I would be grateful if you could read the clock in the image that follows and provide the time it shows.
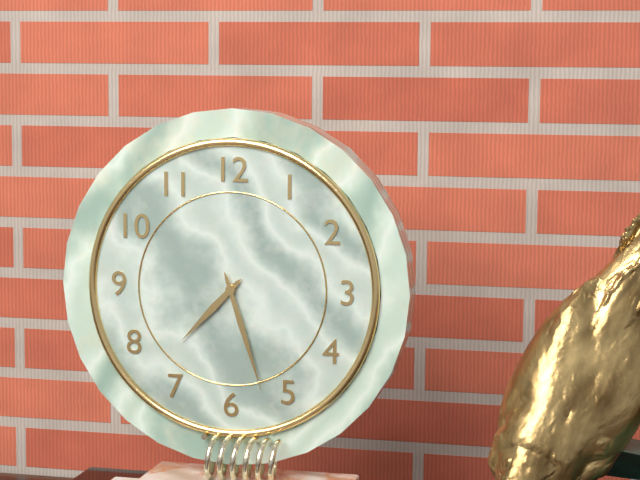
7:27
